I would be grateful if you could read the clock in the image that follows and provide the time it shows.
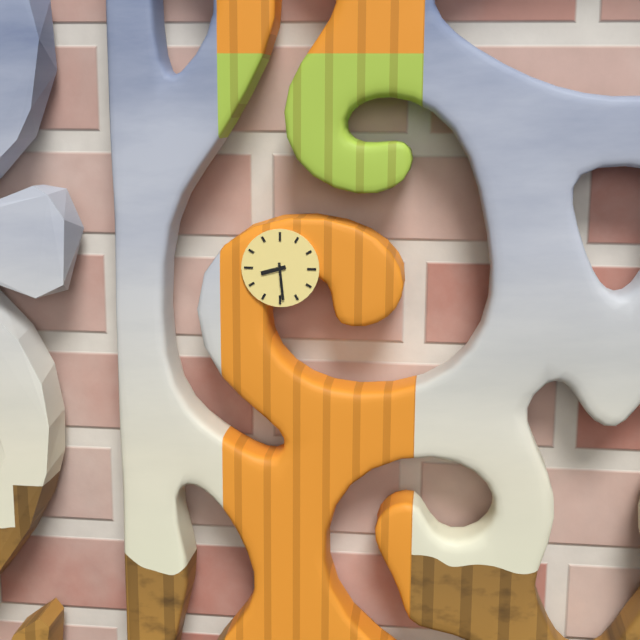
8:29
